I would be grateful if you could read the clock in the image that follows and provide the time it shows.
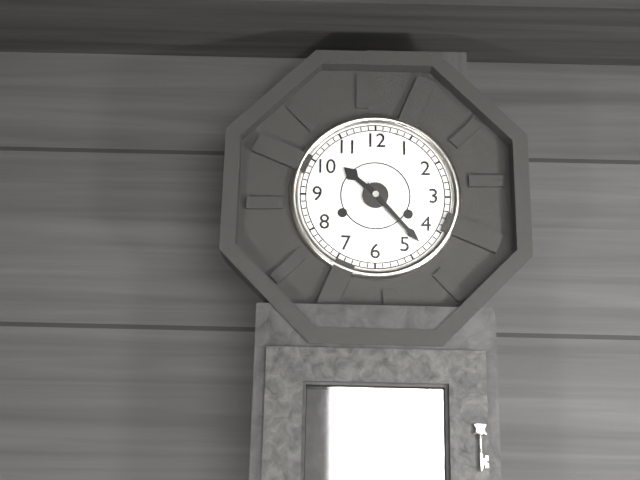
10:23
